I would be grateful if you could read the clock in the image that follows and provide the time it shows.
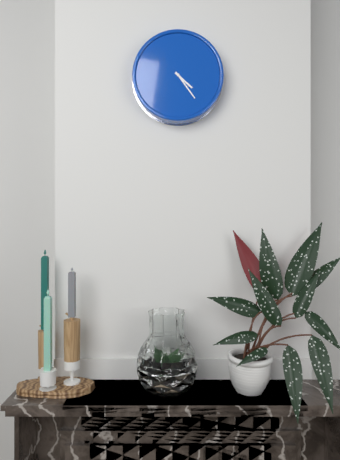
4:24
